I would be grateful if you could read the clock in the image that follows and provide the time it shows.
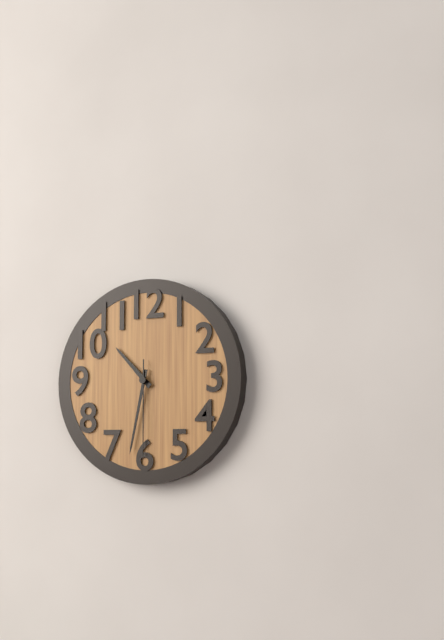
10:32:30
